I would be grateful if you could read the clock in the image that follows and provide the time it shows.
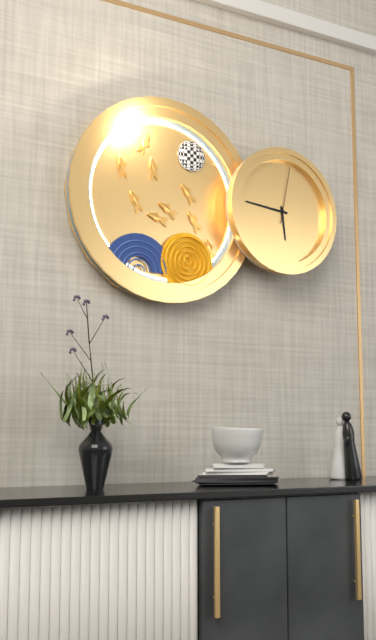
5:46:02
